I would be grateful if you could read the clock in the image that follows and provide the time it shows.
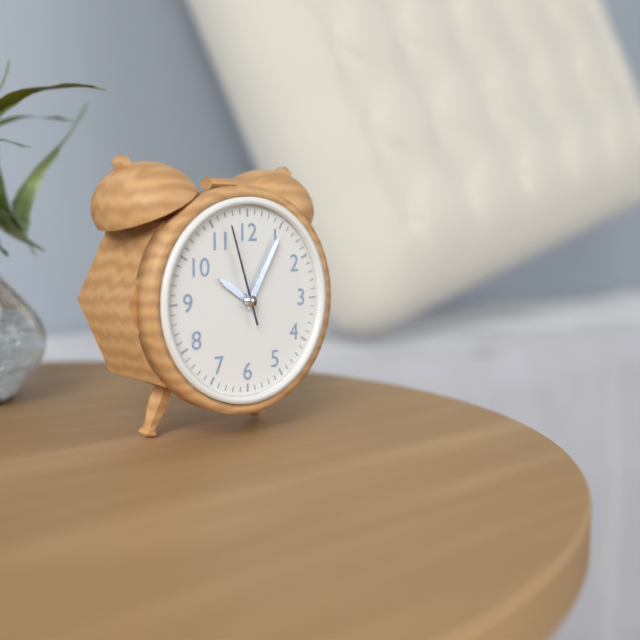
10:05:57
